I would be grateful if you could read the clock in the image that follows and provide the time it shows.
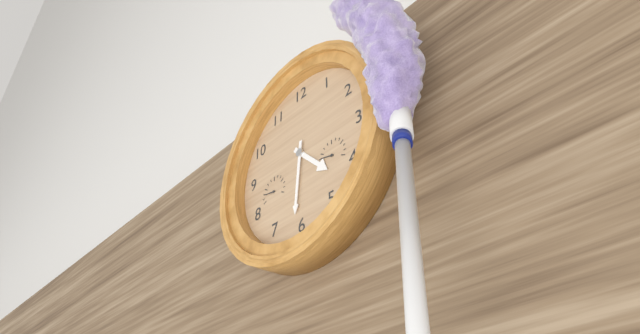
4:31
